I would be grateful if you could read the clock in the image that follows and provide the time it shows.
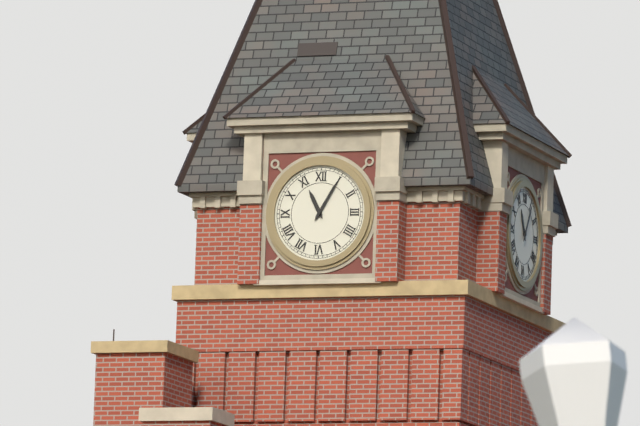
11:05
